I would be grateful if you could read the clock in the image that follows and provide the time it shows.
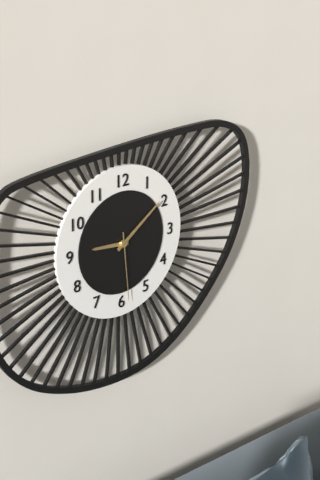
9:09:29
